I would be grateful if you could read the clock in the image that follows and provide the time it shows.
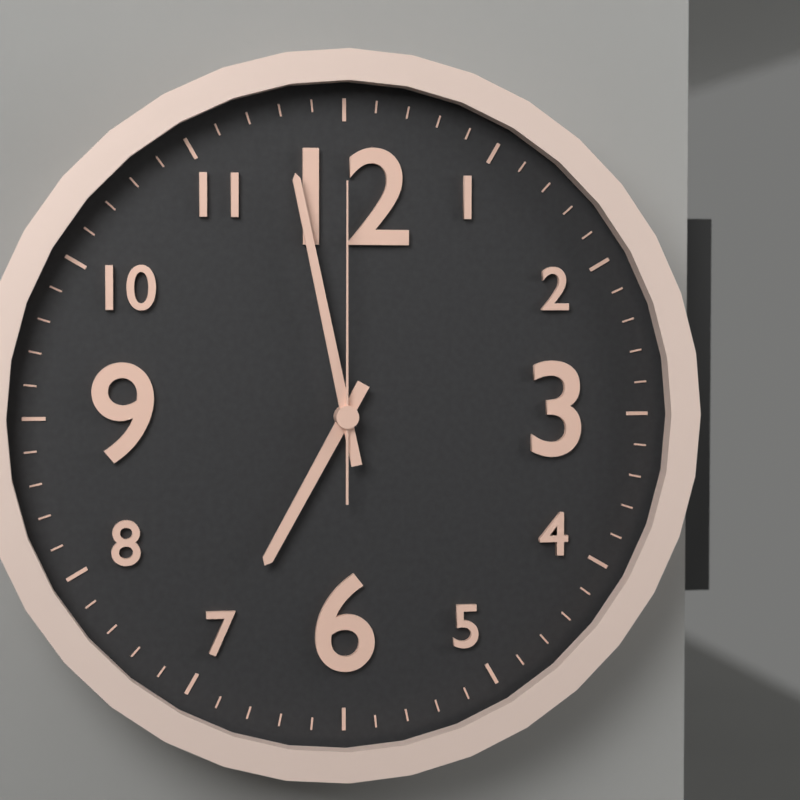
6:58:00
